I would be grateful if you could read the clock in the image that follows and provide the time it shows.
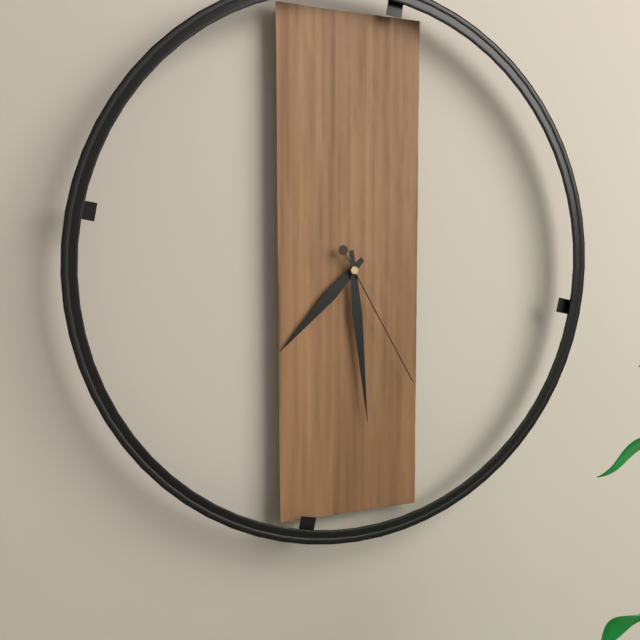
7:29:25
